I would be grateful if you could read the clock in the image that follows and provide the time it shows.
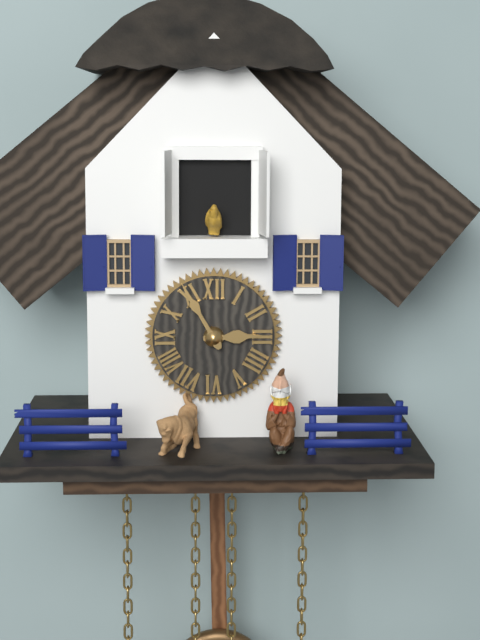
2:55
